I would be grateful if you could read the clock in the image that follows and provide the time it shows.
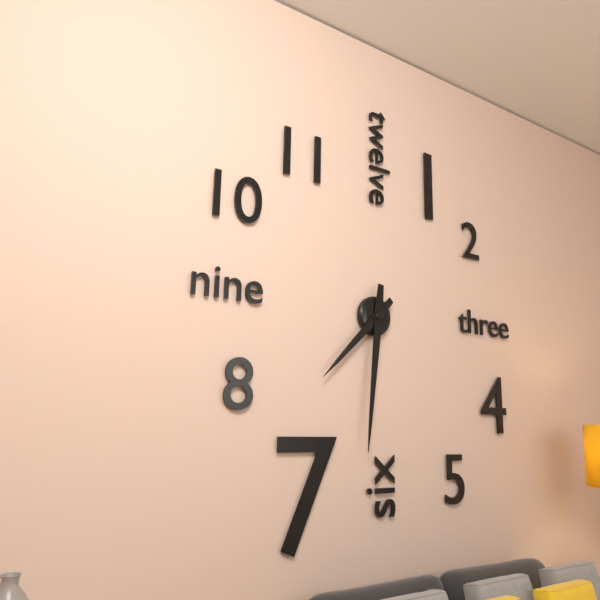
7:31
